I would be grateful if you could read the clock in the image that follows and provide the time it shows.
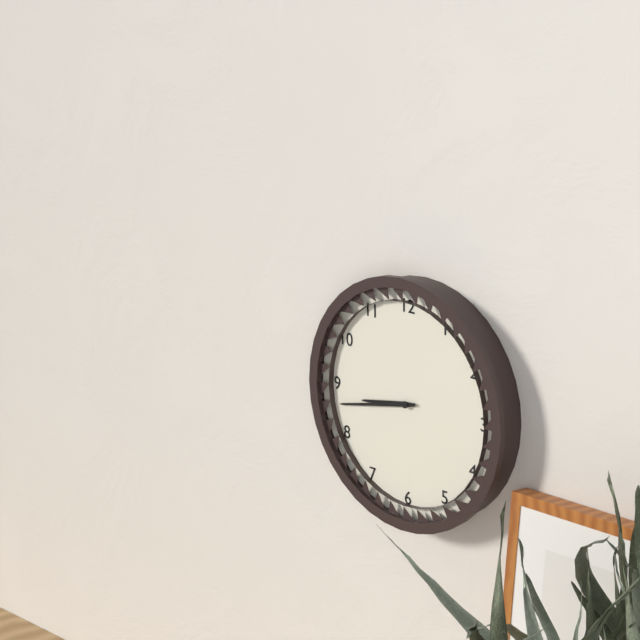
8:43
